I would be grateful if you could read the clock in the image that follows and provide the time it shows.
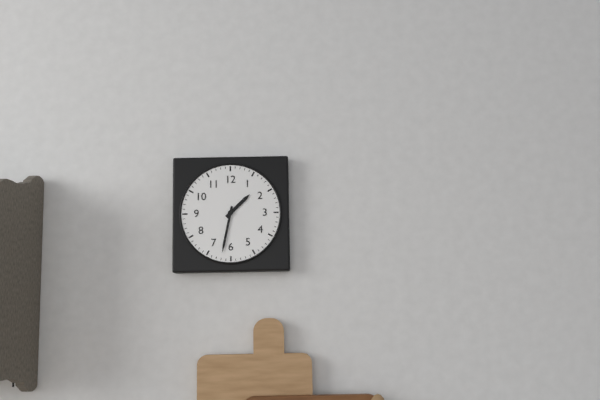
1:32
